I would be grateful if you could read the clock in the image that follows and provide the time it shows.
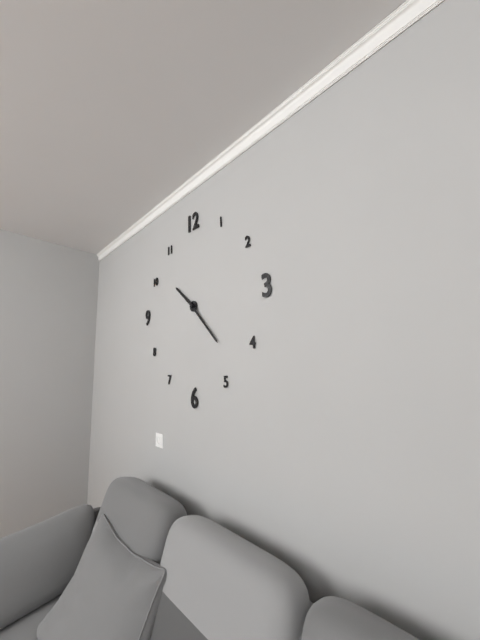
10:23
